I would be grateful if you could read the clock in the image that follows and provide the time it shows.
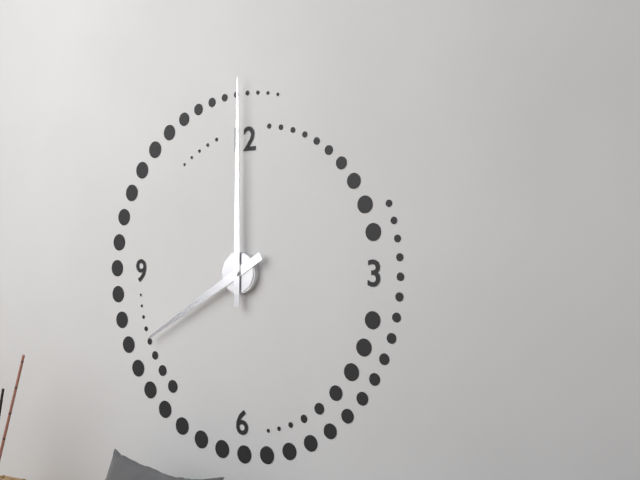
8:00
